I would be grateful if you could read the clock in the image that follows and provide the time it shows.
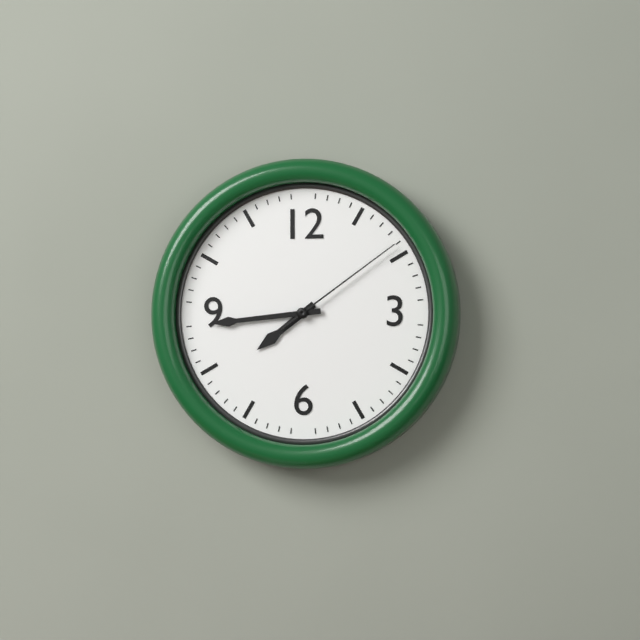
7:44:09
